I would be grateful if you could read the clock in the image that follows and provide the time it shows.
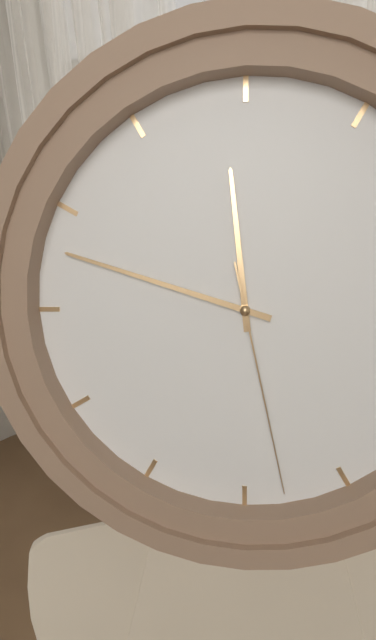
11:48:28
